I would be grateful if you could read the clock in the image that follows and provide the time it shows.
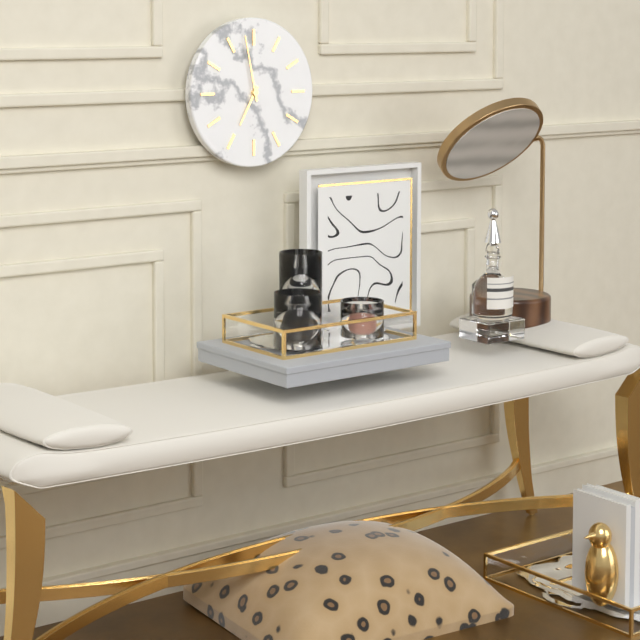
6:58
